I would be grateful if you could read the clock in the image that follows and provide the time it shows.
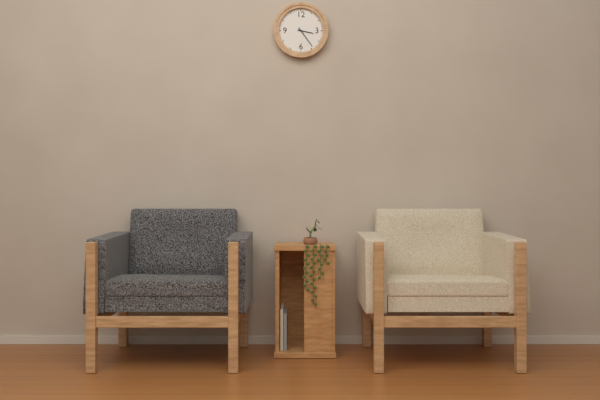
3:24
